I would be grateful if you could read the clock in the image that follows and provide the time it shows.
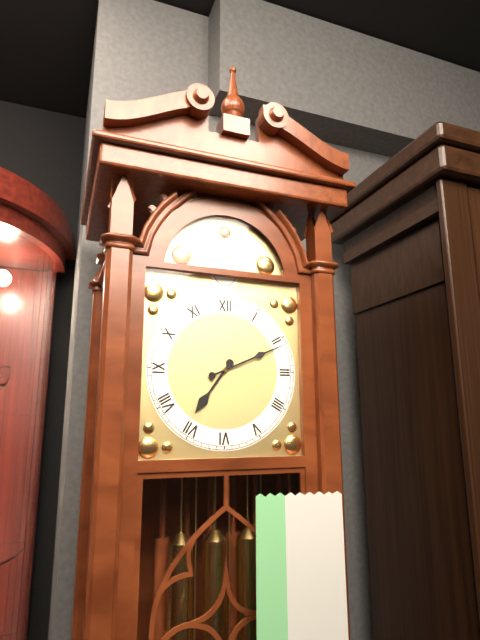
7:11
